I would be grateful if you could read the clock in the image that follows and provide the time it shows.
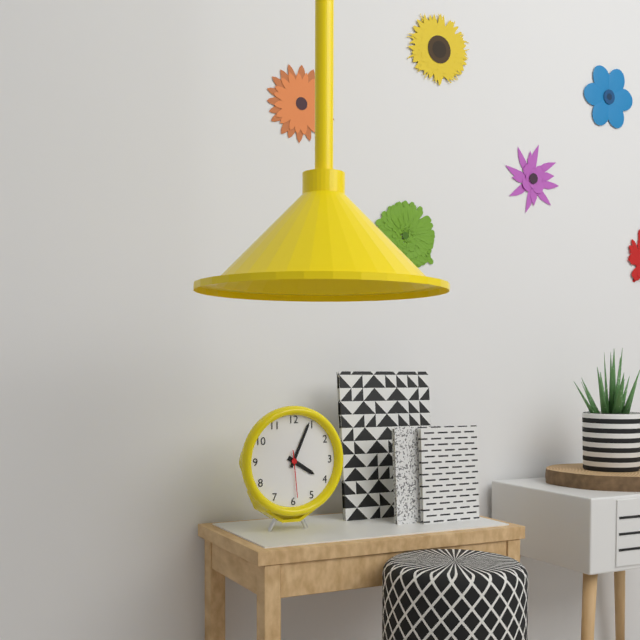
4:04
